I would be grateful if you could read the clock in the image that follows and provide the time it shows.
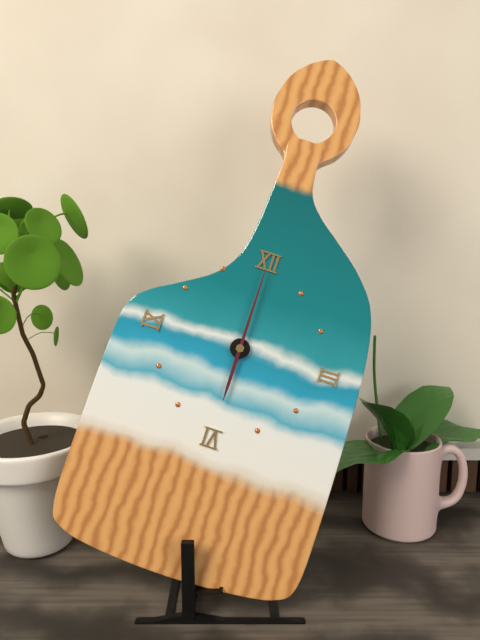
6:00
